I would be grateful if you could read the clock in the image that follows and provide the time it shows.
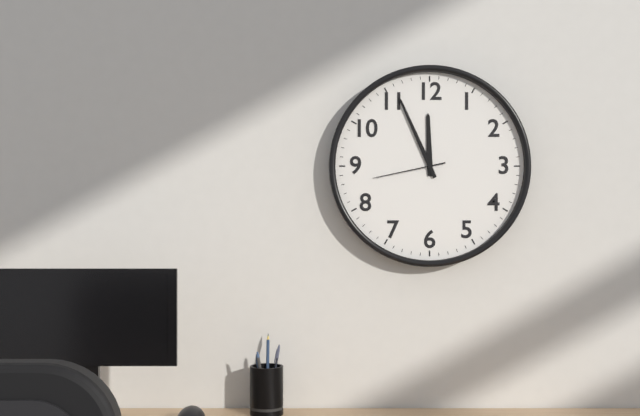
11:56:43
